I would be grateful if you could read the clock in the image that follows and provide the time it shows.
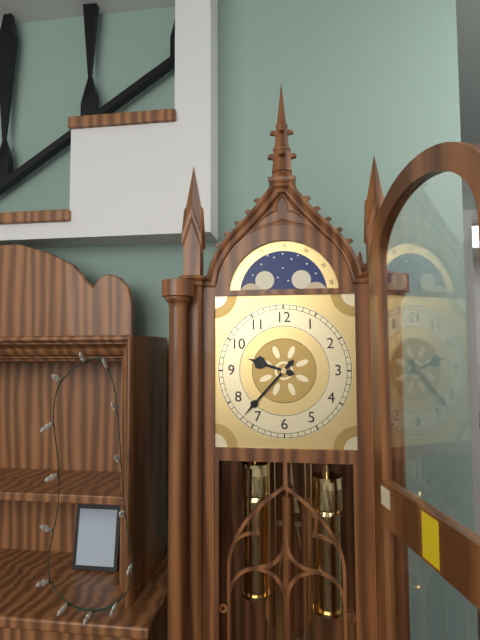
9:37
